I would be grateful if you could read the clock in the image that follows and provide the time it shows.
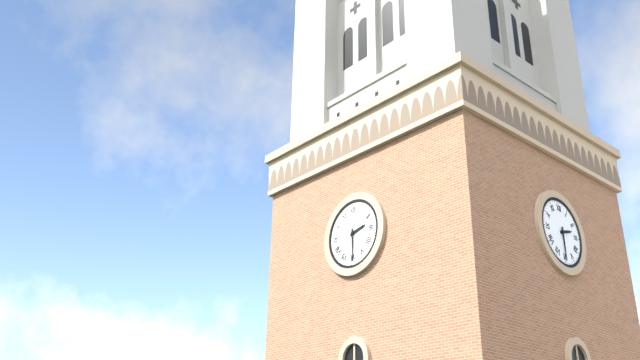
2:30
